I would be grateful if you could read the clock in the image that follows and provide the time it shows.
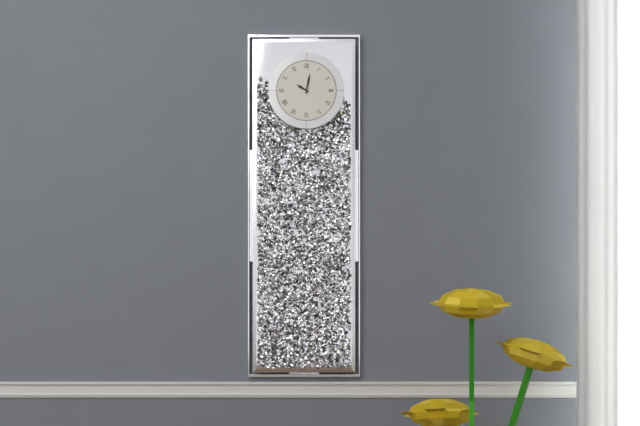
10:02
